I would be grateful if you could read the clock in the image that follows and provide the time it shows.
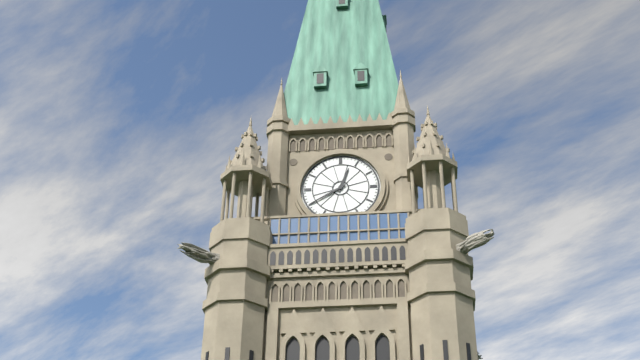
12:40
